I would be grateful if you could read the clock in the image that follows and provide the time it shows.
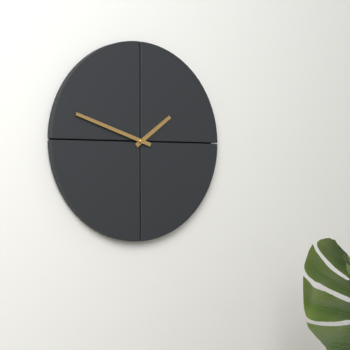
1:48
